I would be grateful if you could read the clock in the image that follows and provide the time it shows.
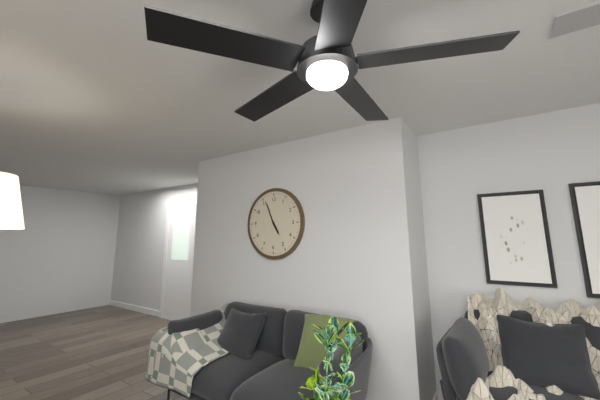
4:56
